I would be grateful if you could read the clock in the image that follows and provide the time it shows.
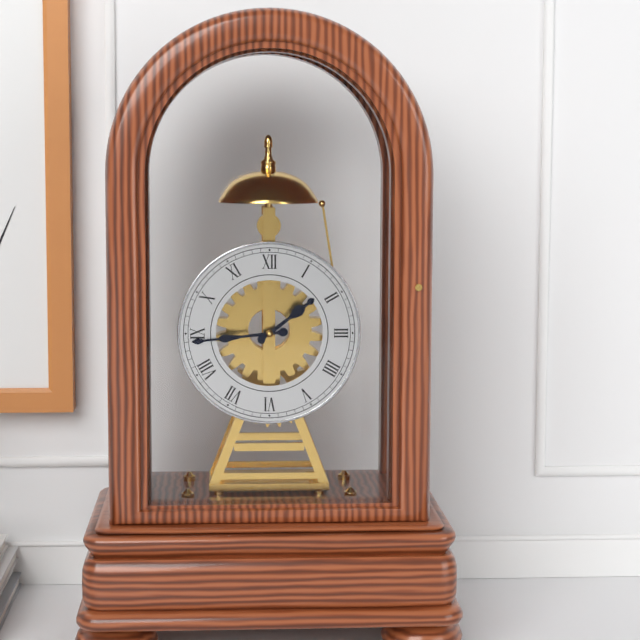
1:44
